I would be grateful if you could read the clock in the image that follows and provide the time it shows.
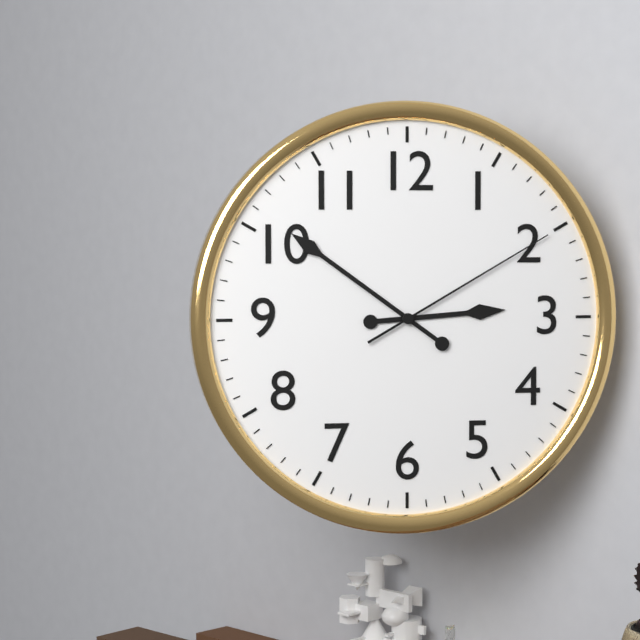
2:51:10
